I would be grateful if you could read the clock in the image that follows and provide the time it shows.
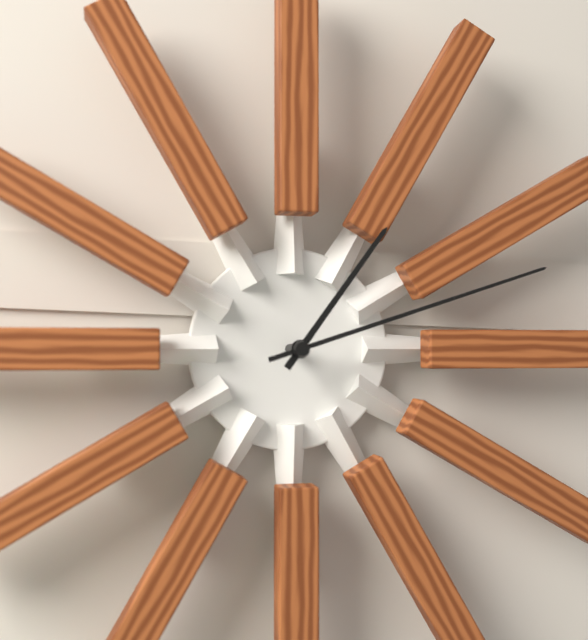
1:12
